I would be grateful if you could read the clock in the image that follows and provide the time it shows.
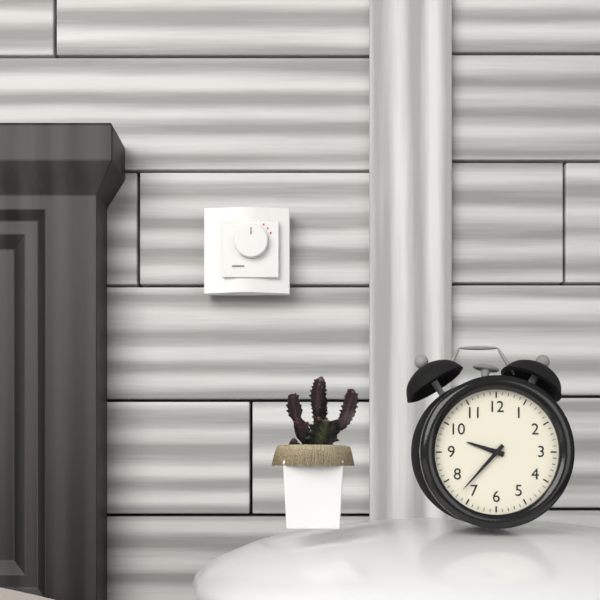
9:37
